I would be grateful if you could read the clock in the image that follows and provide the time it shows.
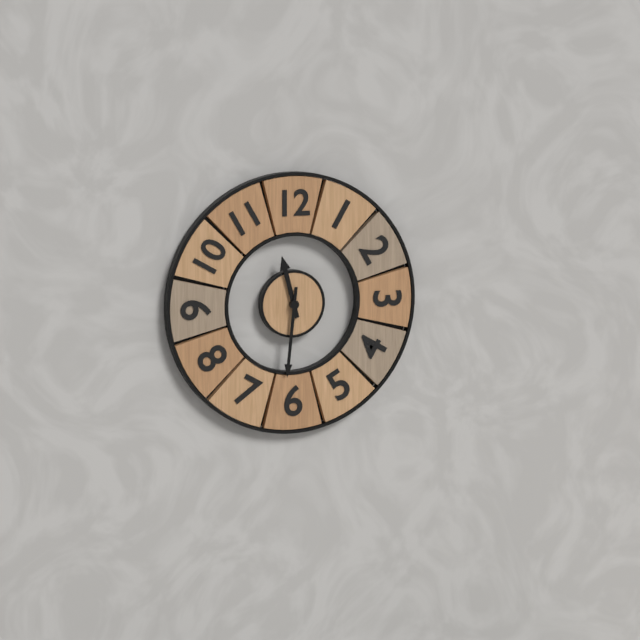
11:31
